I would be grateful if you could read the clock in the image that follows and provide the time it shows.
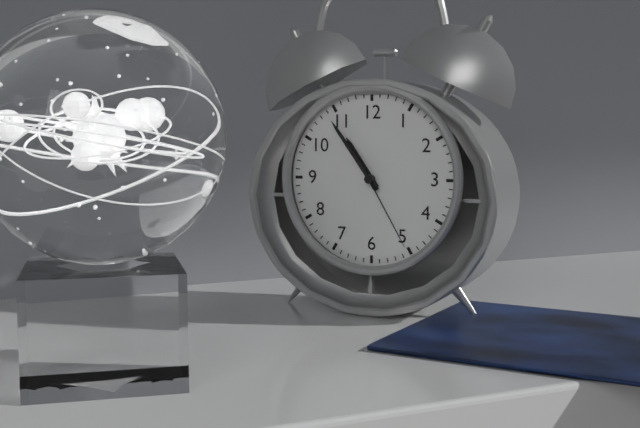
10:54:25
